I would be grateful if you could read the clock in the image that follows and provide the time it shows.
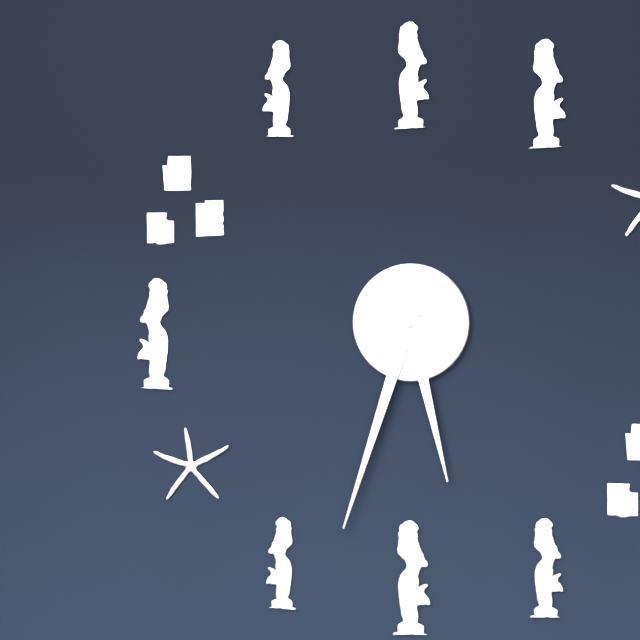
5:33
